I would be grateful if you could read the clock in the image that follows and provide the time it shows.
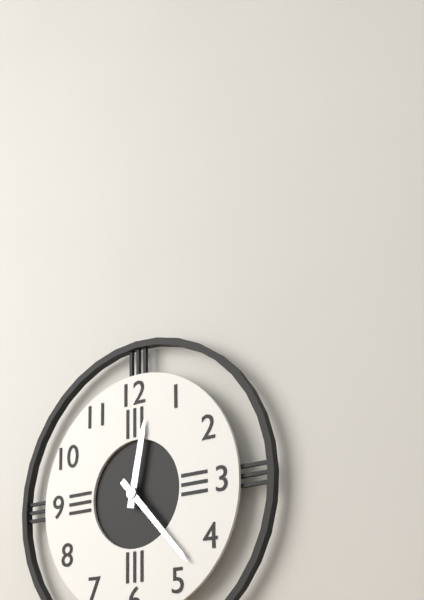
12:23
